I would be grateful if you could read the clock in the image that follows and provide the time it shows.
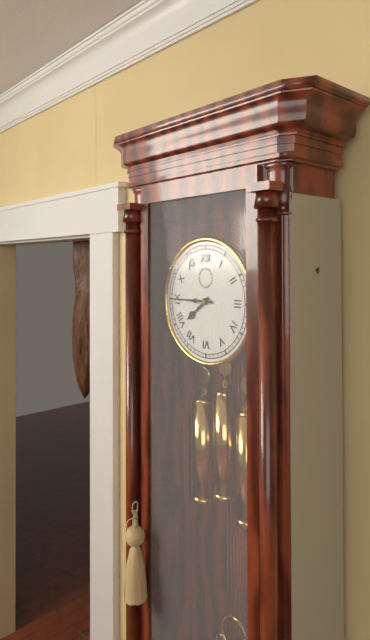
7:45
